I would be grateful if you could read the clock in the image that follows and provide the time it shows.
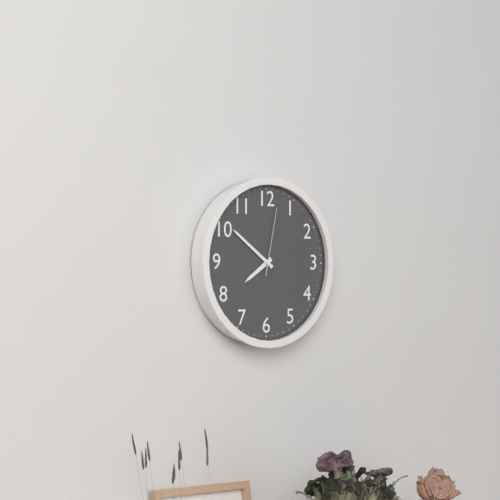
7:51:02
